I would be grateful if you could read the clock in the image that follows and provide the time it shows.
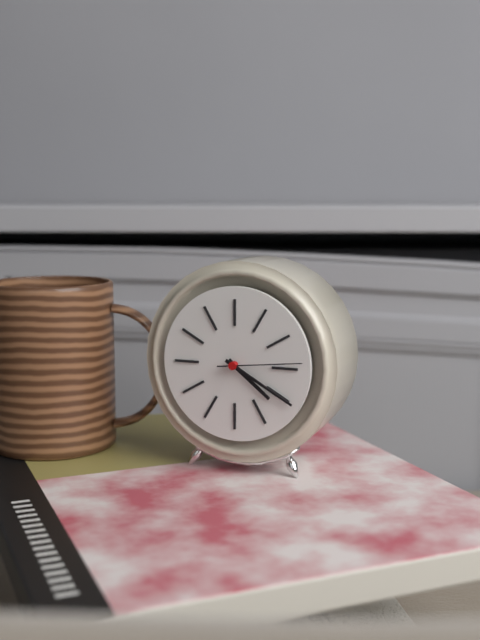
4:20:14
